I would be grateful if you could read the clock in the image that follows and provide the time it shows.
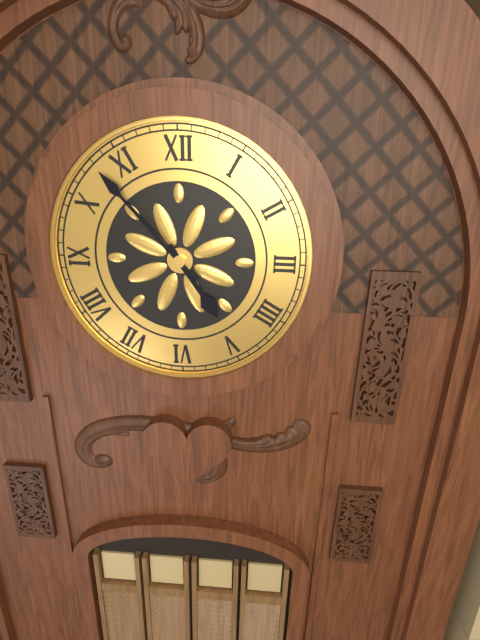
4:53
